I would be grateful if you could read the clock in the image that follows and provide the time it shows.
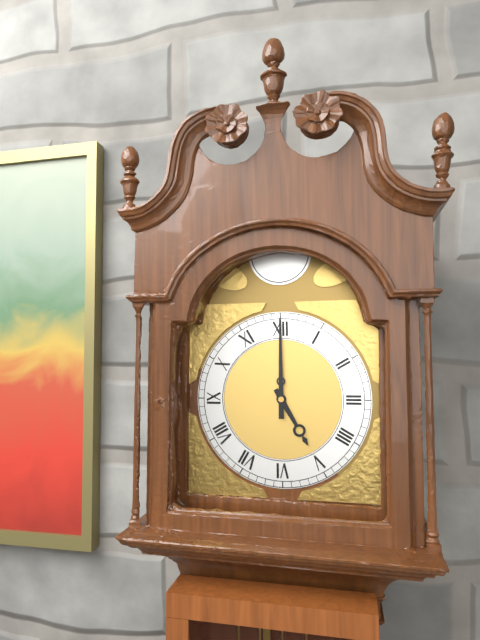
5:00
